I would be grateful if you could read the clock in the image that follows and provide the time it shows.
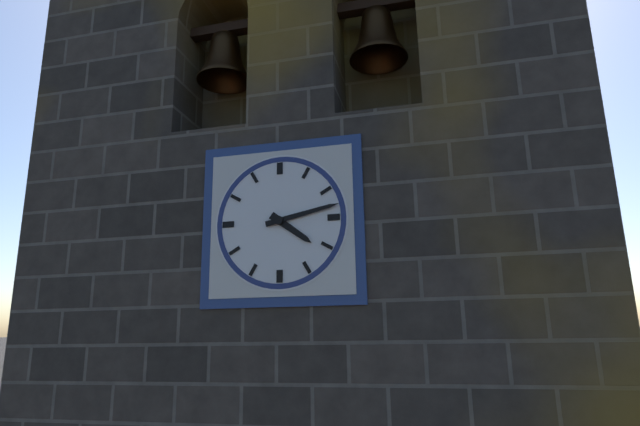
4:13
